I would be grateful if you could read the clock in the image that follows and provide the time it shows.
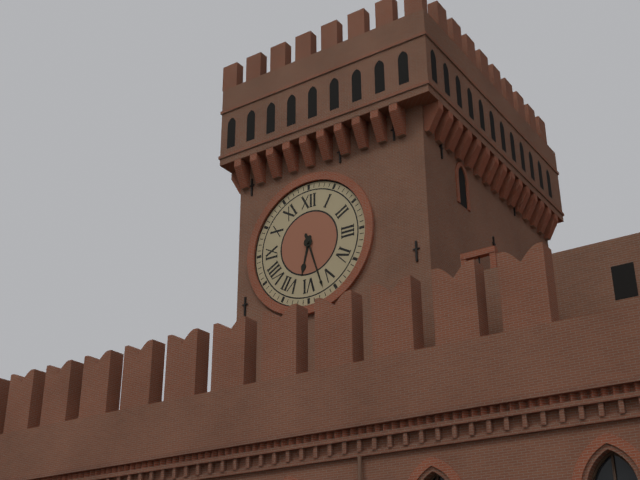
6:27
